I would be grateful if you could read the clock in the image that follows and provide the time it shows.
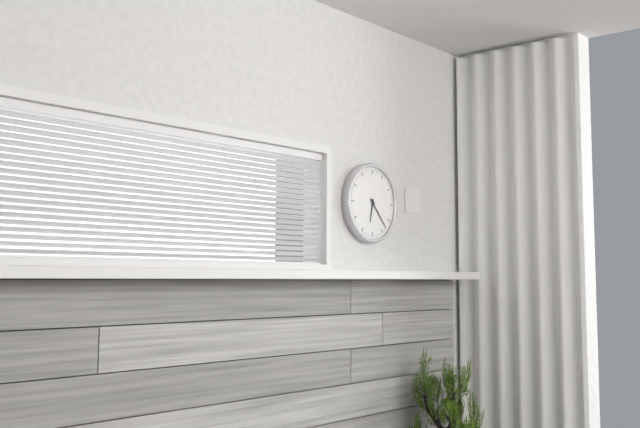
6:23
